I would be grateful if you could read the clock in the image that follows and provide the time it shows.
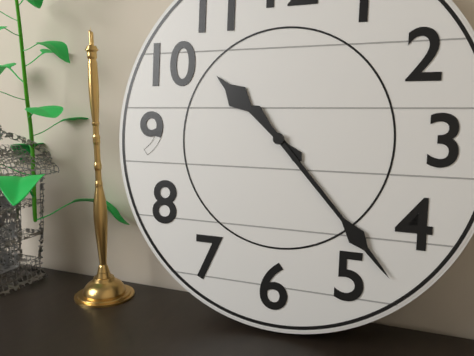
10:23
